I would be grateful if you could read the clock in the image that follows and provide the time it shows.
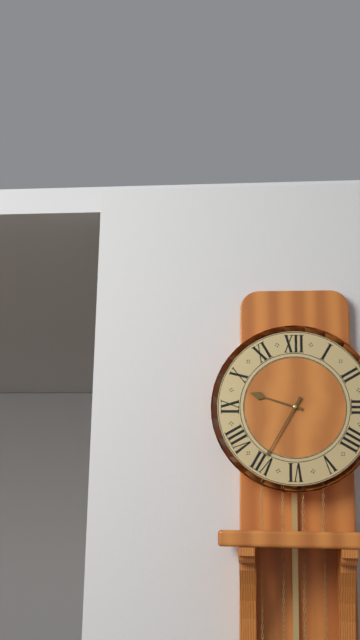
9:35
